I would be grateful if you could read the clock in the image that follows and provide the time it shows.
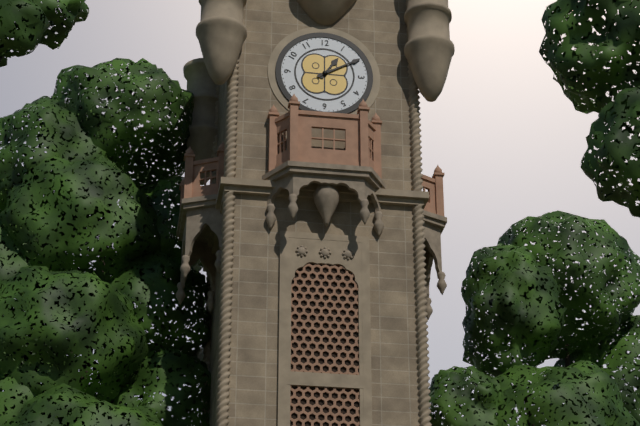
1:10
